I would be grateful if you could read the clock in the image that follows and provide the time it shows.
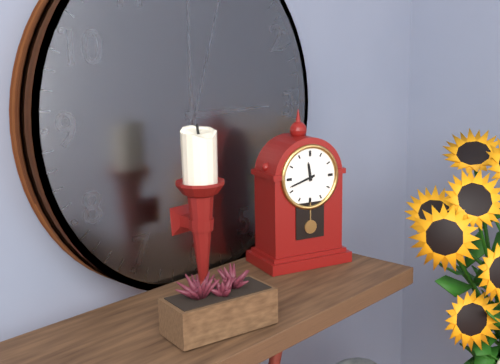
11:42
